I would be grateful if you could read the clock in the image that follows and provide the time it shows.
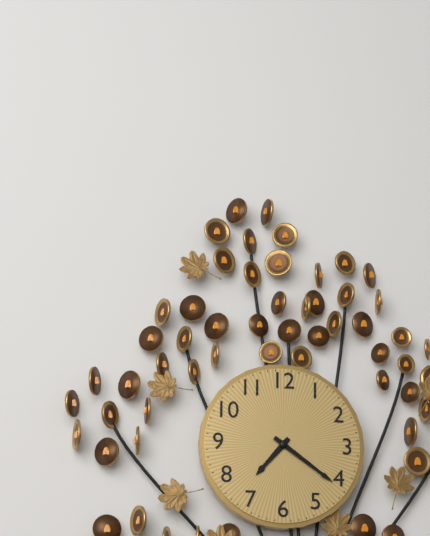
7:21
